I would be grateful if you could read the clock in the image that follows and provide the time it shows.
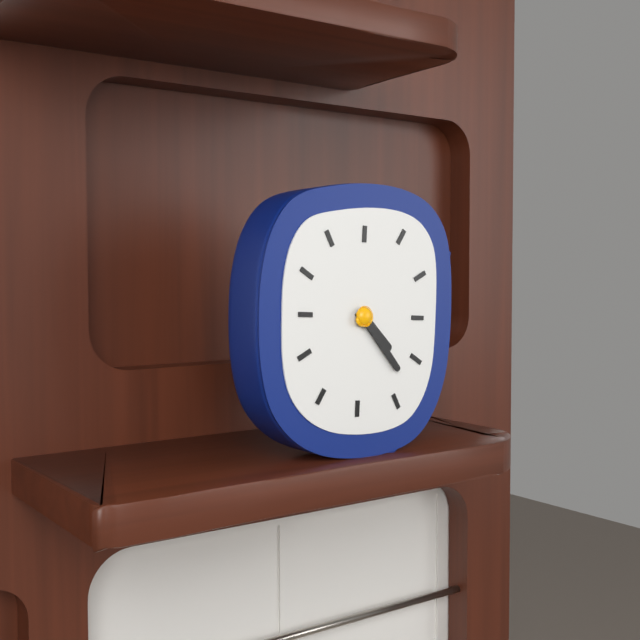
4:23
